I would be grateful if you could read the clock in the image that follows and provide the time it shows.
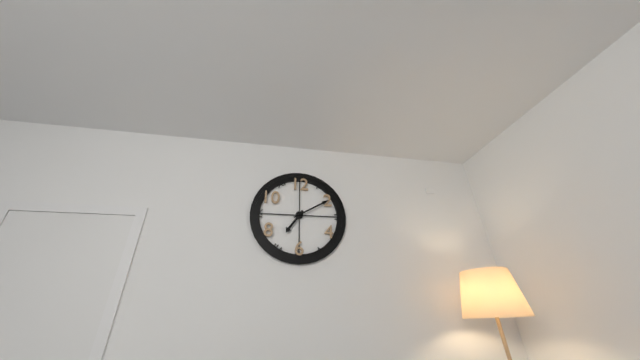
7:10
